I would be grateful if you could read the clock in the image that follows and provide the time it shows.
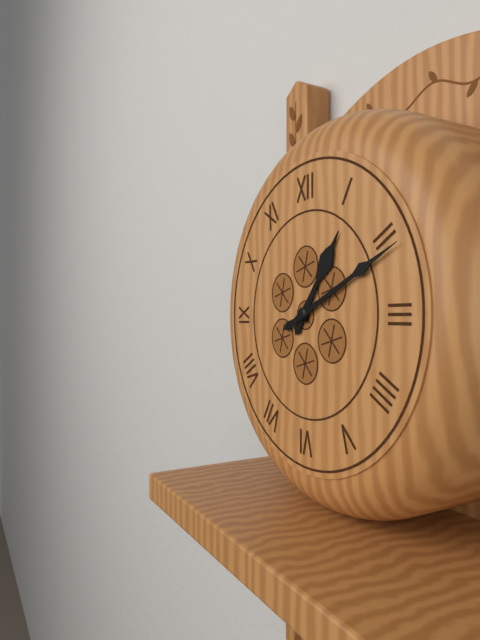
1:11
